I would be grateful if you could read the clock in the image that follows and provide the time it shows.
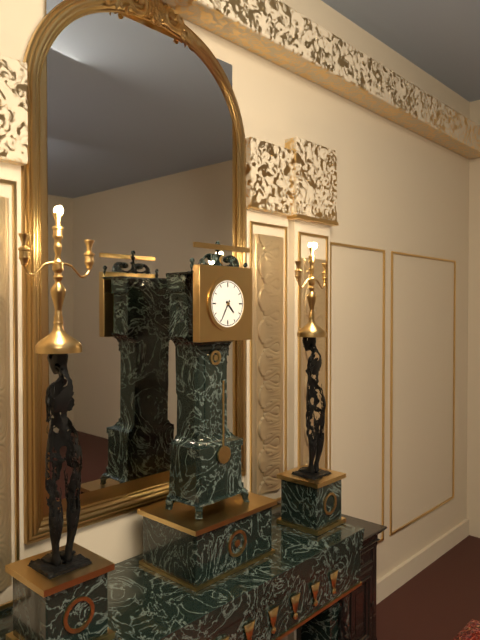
4:35
